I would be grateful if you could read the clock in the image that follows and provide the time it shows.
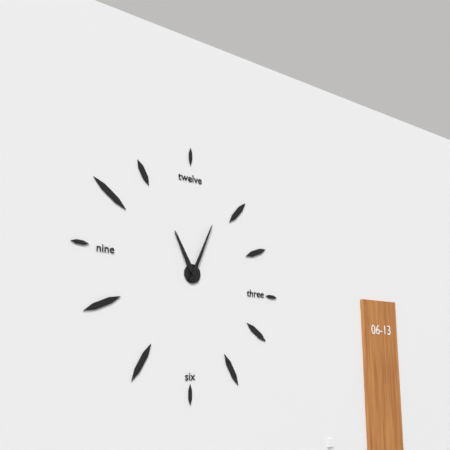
11:04
